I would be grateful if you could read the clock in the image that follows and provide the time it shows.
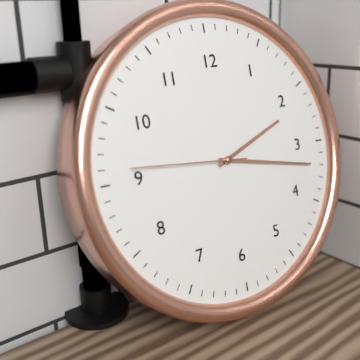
2:17:46
